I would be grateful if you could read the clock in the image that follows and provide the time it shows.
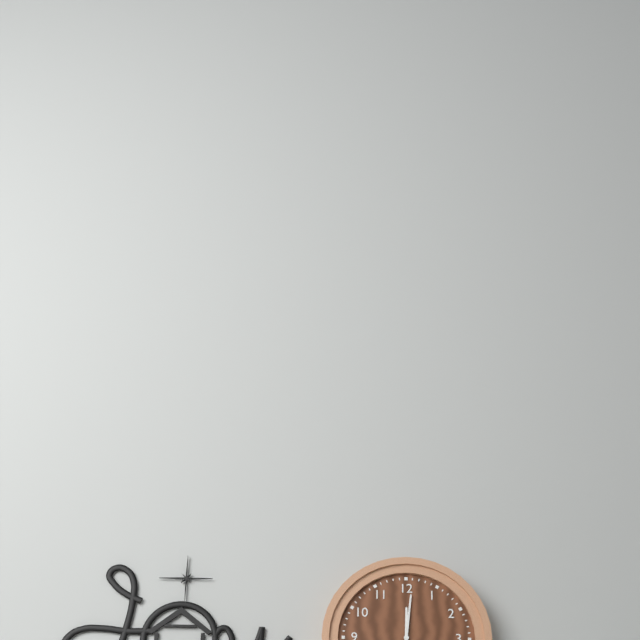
12:01
